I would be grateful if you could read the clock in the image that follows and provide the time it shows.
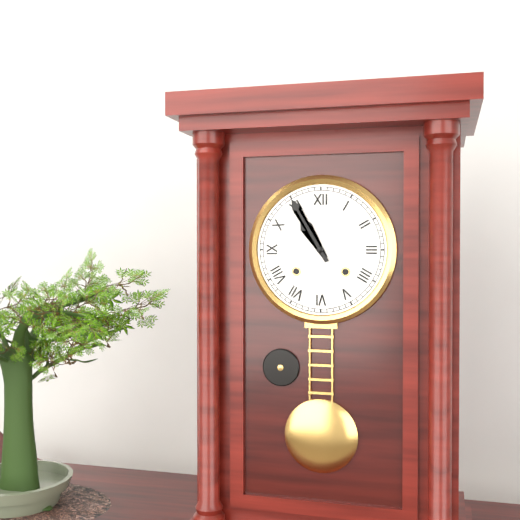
10:55
